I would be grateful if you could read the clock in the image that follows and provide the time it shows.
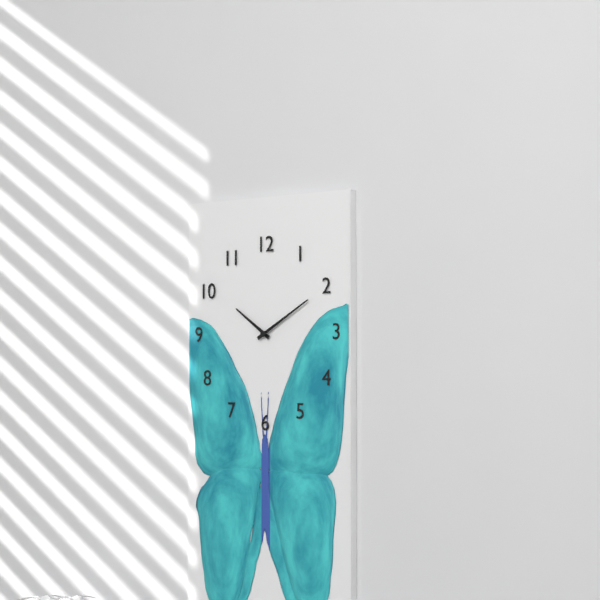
10:10
